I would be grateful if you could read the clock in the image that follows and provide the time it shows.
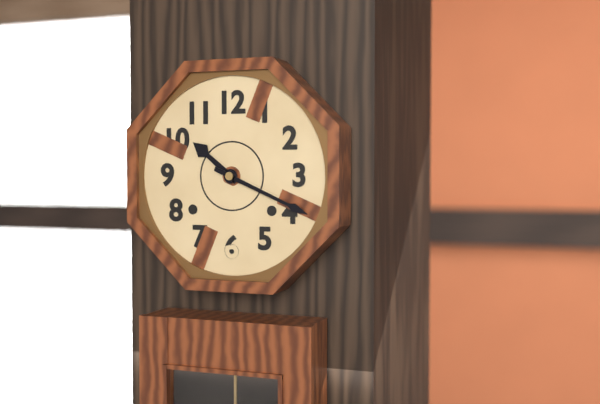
10:19
